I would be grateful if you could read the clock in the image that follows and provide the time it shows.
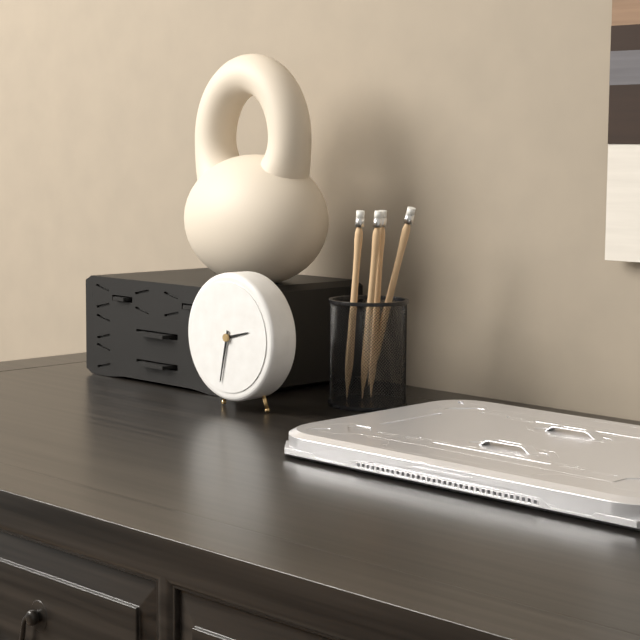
2:32
